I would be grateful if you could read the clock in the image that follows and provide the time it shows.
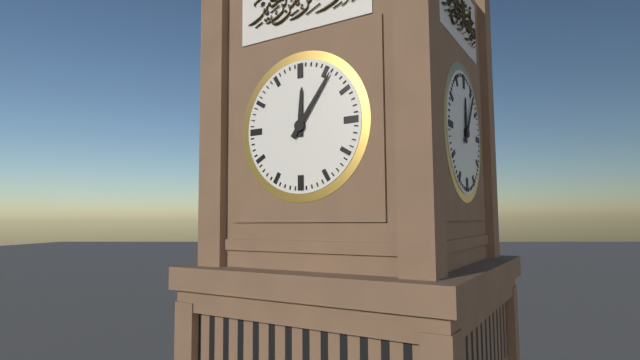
12:06
